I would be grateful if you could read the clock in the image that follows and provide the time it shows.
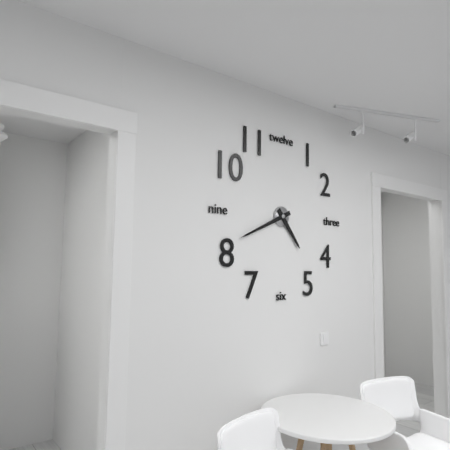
4:41
